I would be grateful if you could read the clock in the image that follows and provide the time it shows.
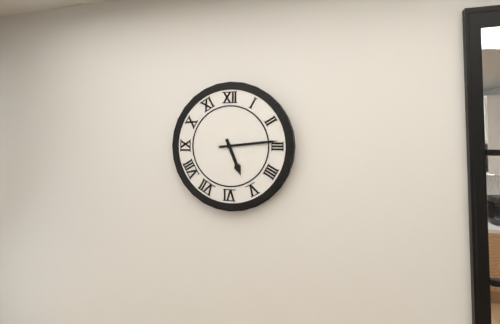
5:14
